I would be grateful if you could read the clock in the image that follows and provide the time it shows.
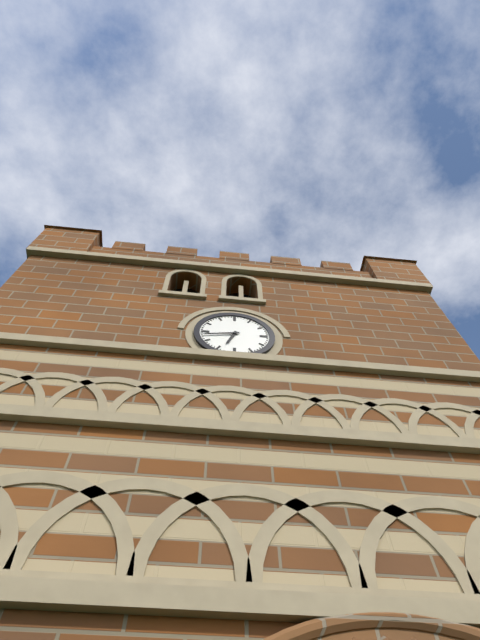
6:43
